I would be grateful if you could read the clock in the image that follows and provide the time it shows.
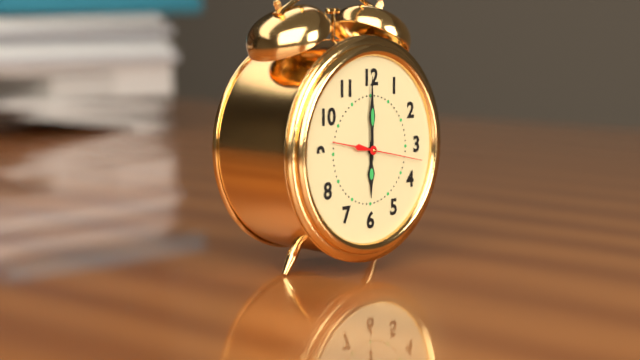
6:00:17
